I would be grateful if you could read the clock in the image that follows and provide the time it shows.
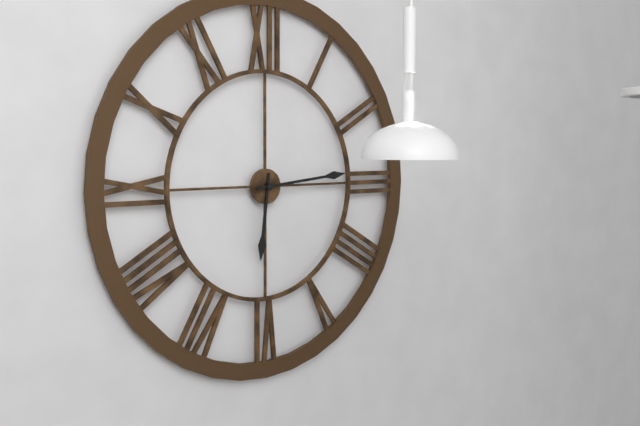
6:14
